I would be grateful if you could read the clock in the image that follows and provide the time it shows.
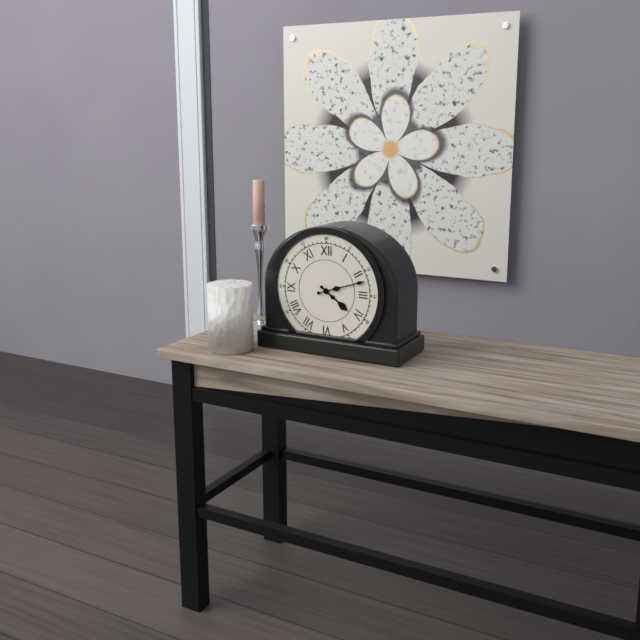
4:12
